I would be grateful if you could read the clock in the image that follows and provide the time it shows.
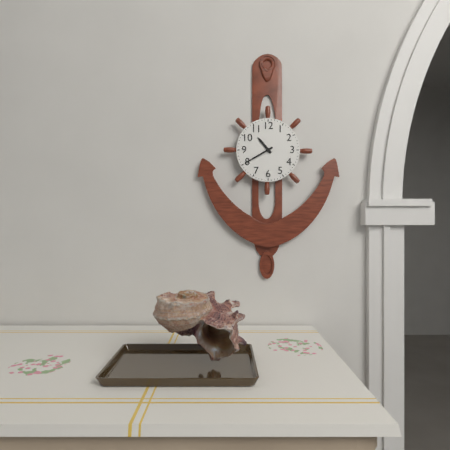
10:40
